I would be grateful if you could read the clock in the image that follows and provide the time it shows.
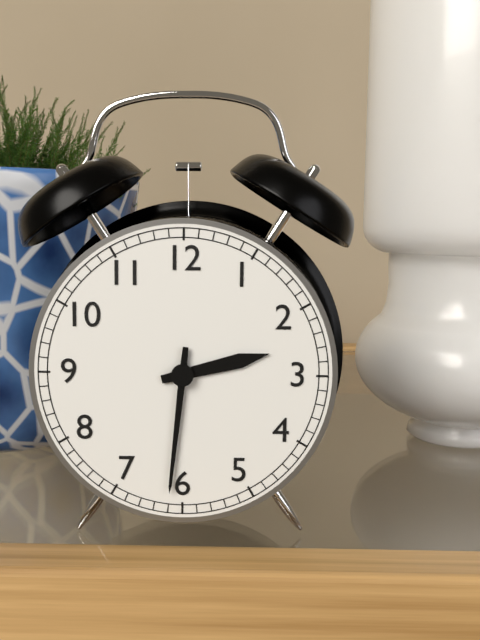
2:31
